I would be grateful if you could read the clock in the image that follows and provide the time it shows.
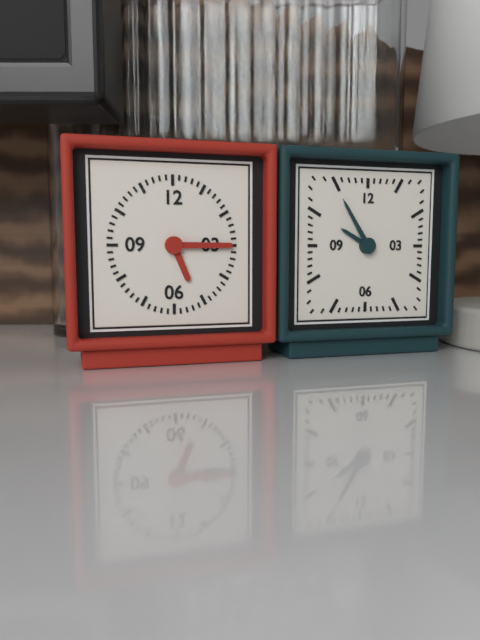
5:15
